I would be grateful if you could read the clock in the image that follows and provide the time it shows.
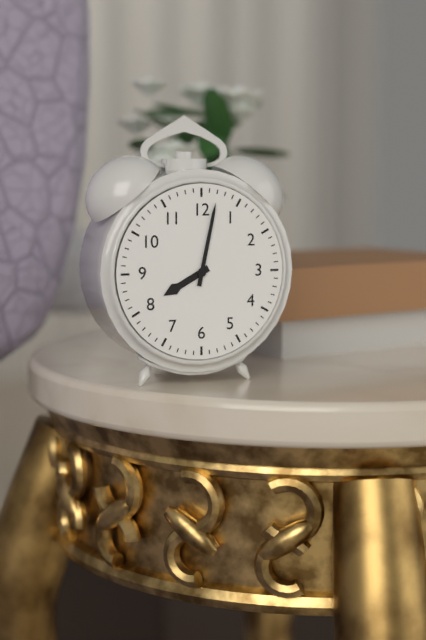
8:02
